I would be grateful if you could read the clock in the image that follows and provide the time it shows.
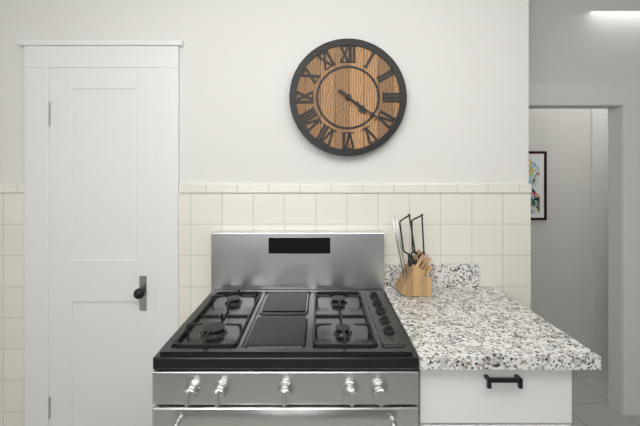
4:21
